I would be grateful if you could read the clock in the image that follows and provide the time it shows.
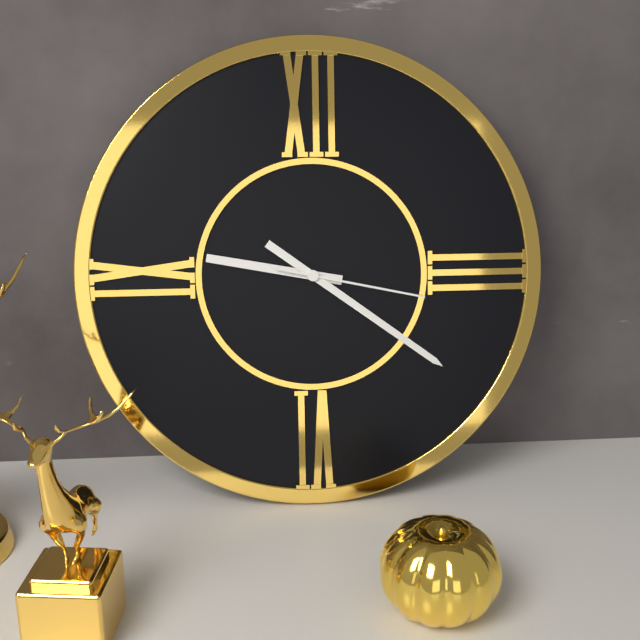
9:21:17
